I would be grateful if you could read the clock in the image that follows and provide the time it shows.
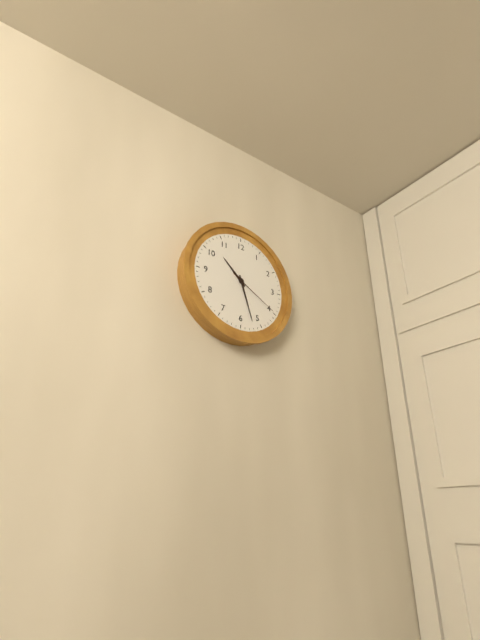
10:27:20
